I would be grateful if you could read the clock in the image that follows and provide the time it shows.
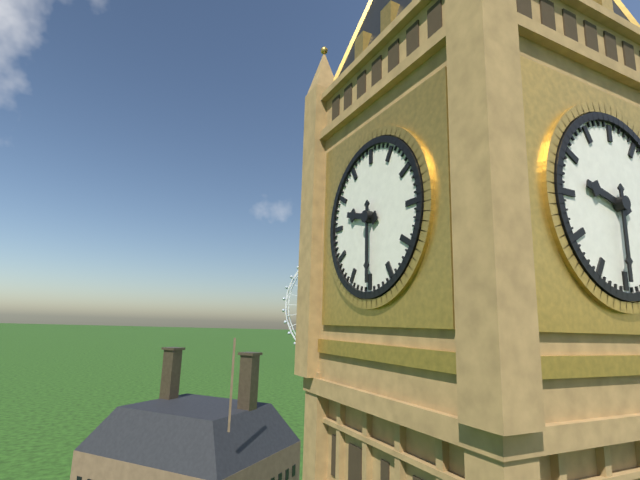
9:30
